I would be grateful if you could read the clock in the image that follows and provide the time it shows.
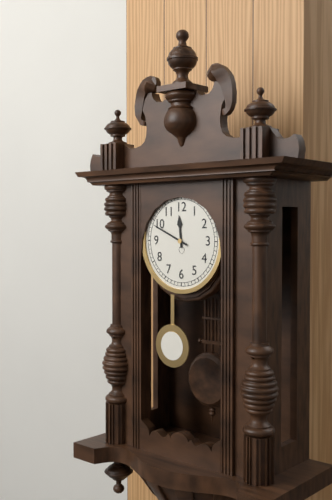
11:49
